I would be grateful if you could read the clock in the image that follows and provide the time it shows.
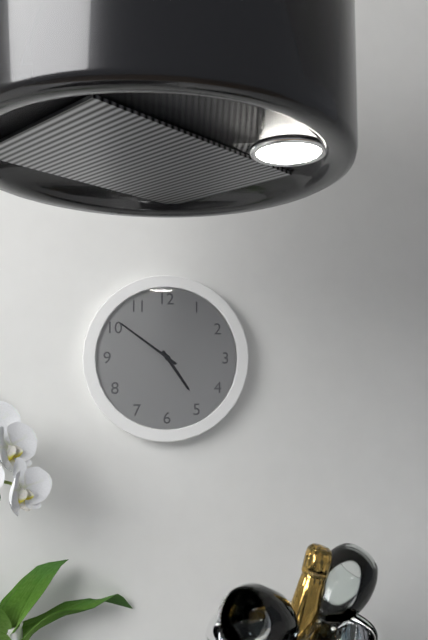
4:51
